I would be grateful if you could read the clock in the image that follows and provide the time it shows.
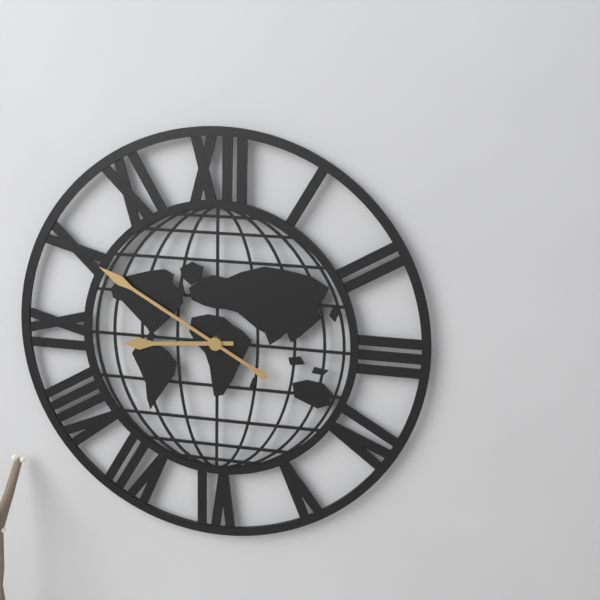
8:50
